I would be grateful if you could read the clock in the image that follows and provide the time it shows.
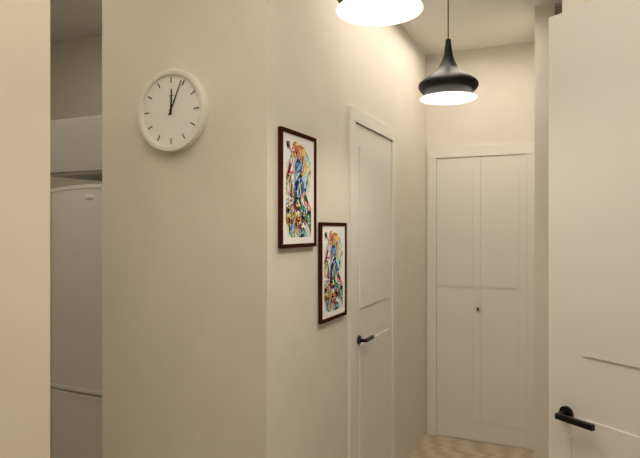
12:04
